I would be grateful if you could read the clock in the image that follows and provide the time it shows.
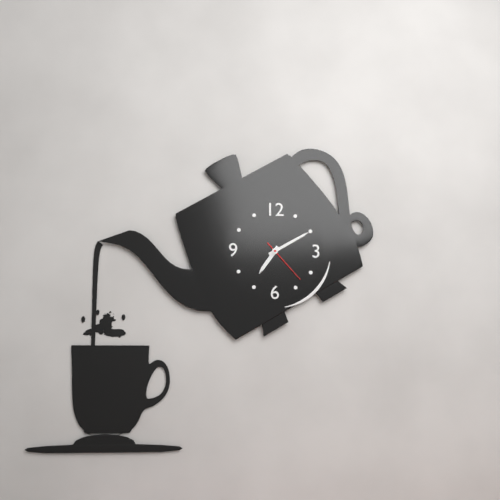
7:10
